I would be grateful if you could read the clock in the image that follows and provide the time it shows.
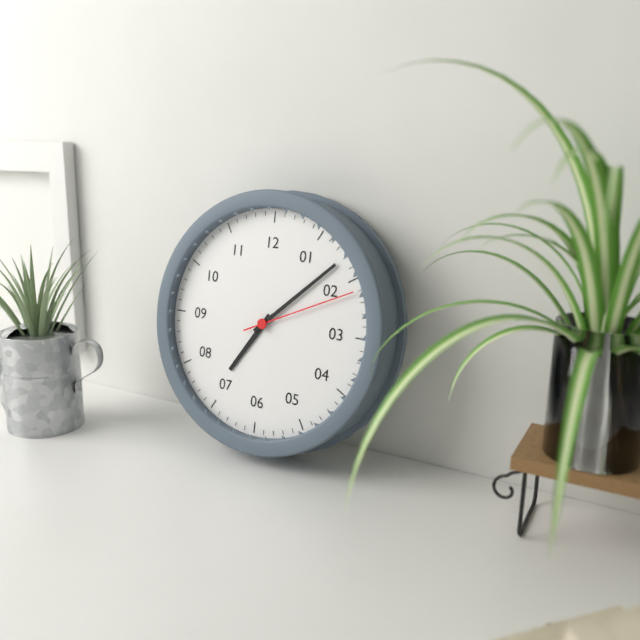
7:08:11
